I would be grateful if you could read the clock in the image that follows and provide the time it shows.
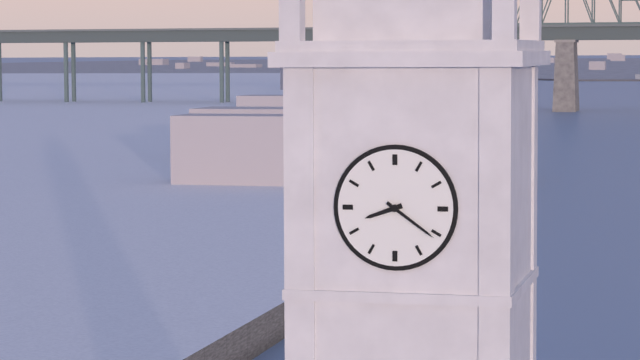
8:21
